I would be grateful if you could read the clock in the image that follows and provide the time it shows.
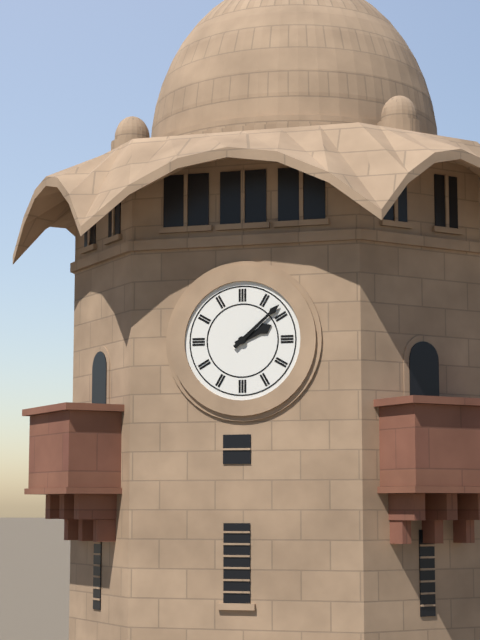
2:08
